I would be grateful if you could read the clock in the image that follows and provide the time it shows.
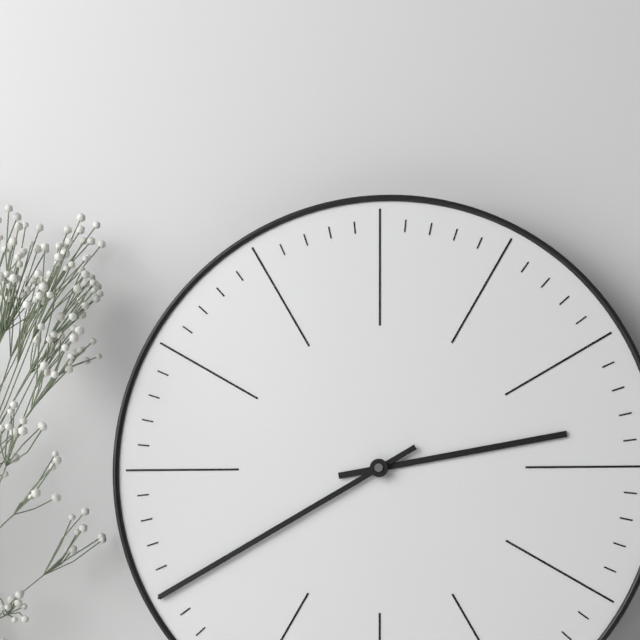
2:40
